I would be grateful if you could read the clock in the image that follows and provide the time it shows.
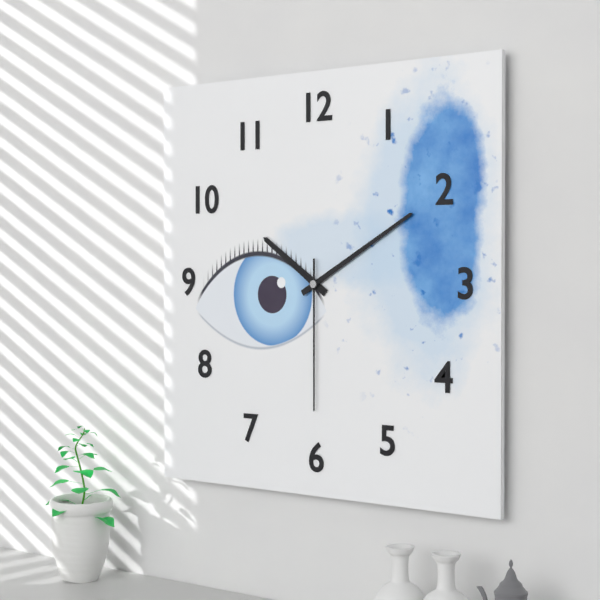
10:10:30
